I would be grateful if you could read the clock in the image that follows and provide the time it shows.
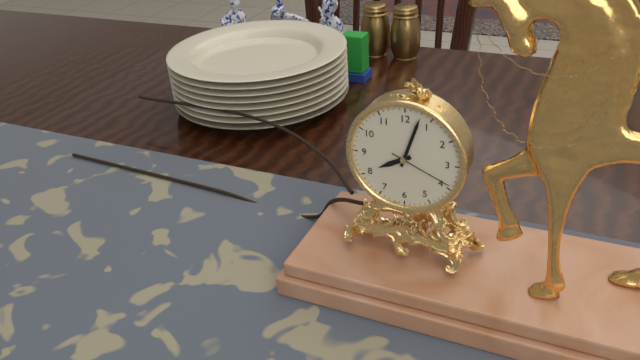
8:03:19
